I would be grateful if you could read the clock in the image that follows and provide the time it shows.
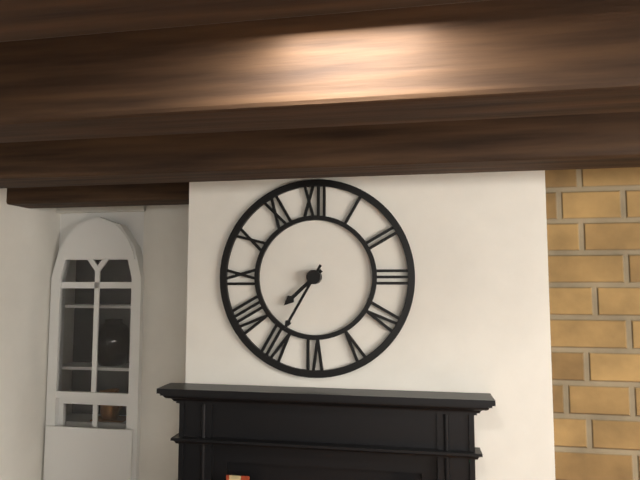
7:35
